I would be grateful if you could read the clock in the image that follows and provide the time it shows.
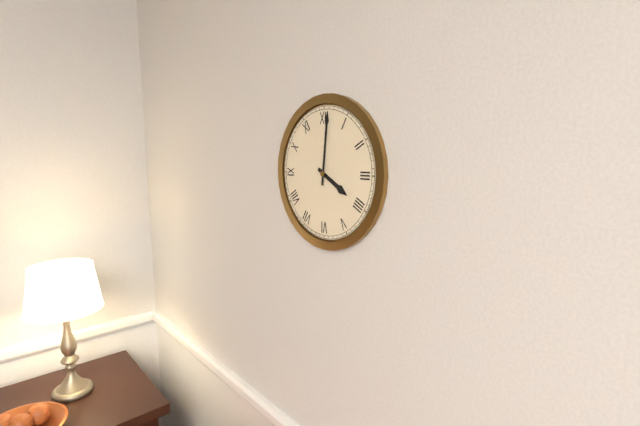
4:01
